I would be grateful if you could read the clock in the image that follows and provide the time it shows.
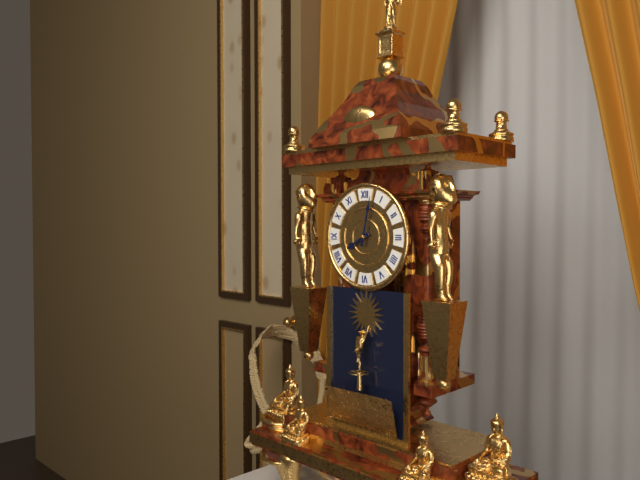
8:02
